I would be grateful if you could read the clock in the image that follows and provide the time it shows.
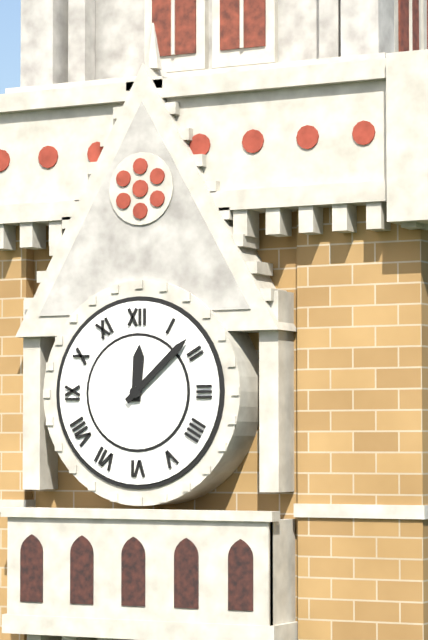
12:08
